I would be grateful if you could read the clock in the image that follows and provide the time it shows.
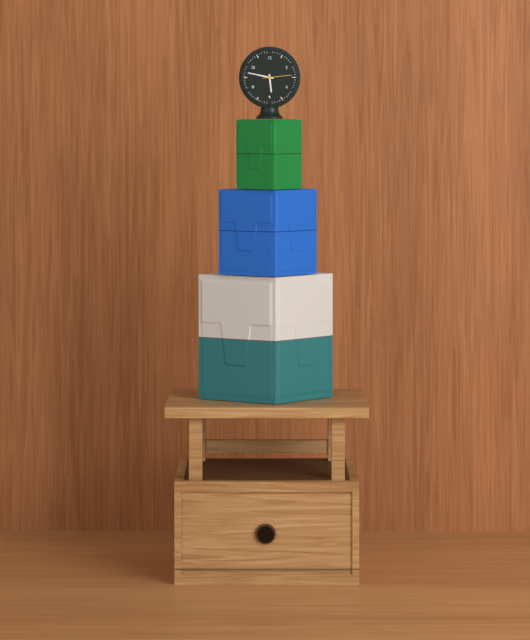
5:47
